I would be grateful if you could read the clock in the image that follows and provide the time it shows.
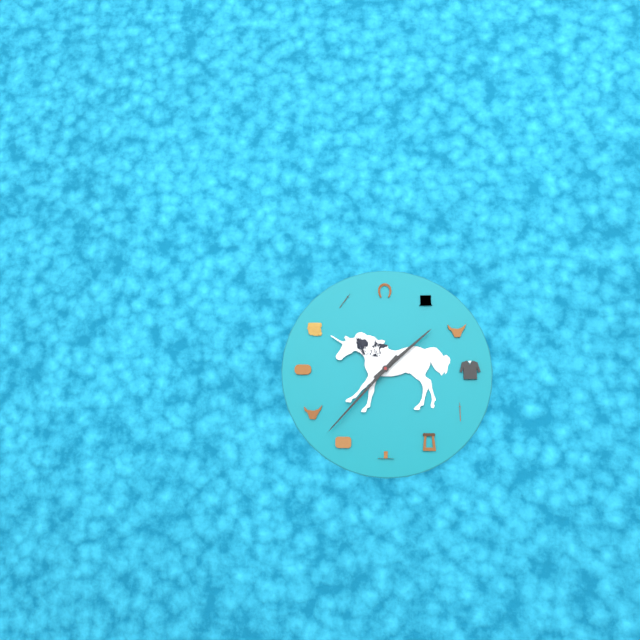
1:37
